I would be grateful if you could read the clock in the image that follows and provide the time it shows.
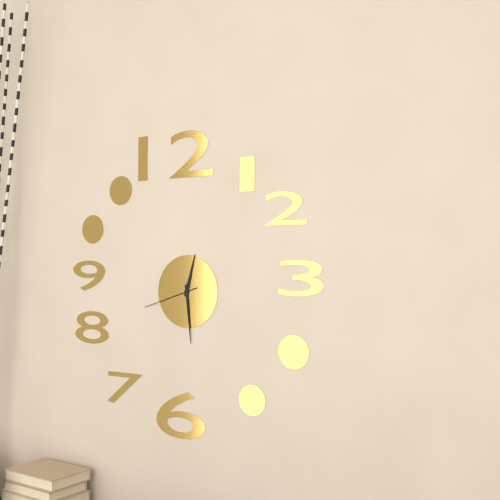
12:29:42
